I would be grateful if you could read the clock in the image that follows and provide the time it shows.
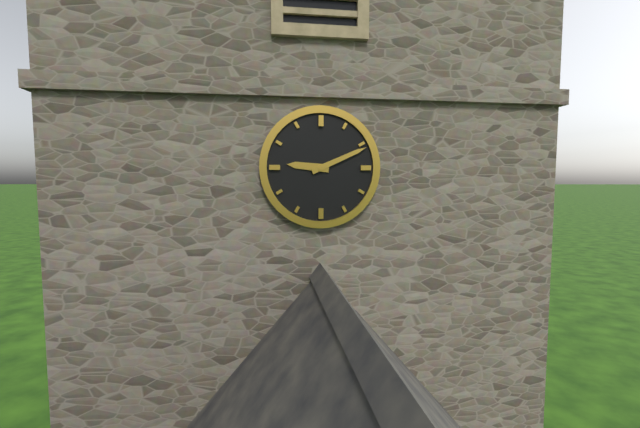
9:11
